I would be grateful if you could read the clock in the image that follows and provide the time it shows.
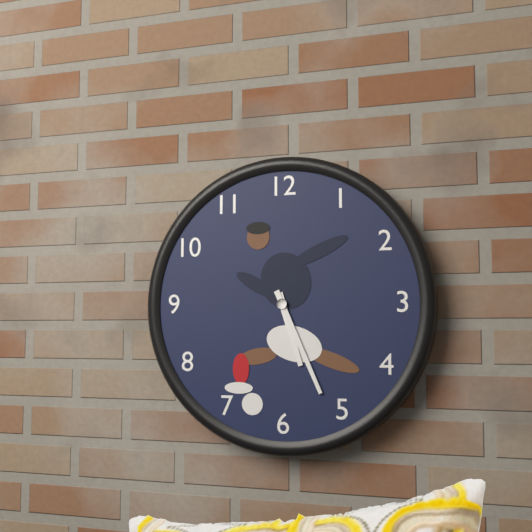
5:26
